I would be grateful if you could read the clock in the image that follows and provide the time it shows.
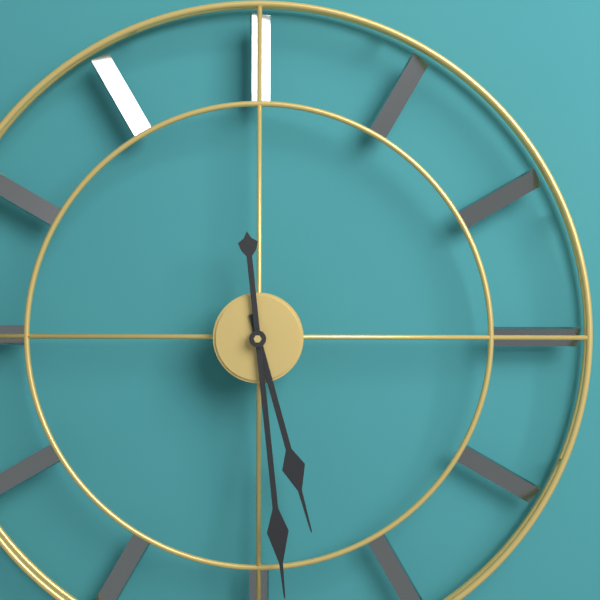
5:29
